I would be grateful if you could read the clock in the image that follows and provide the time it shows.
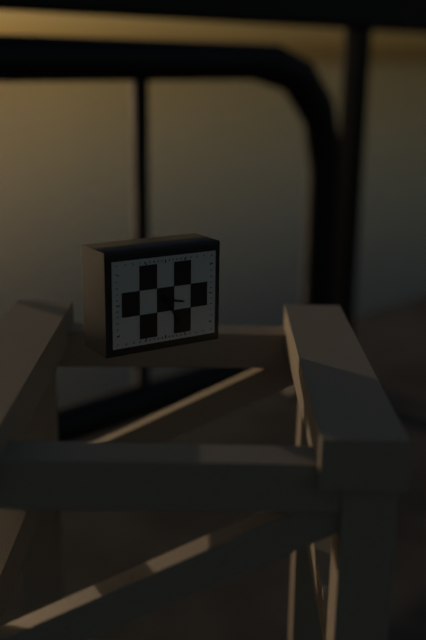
3:25
